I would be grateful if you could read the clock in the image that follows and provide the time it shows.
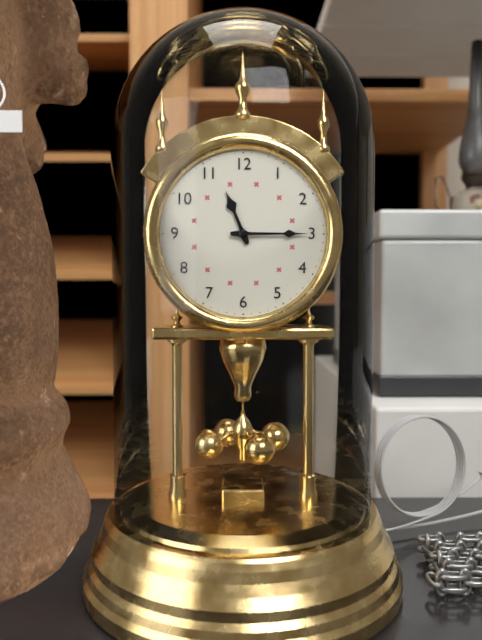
11:15
